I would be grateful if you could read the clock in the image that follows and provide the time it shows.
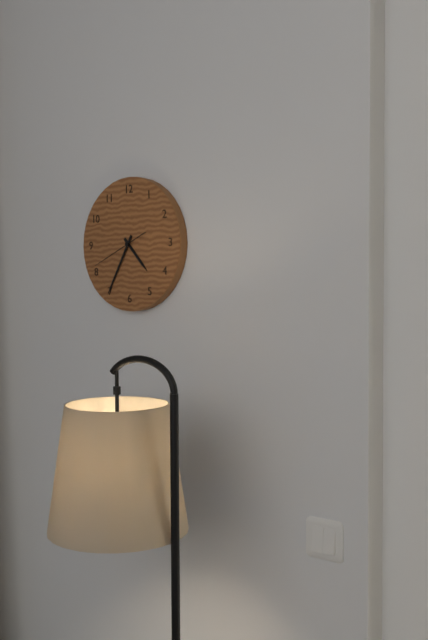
4:35
